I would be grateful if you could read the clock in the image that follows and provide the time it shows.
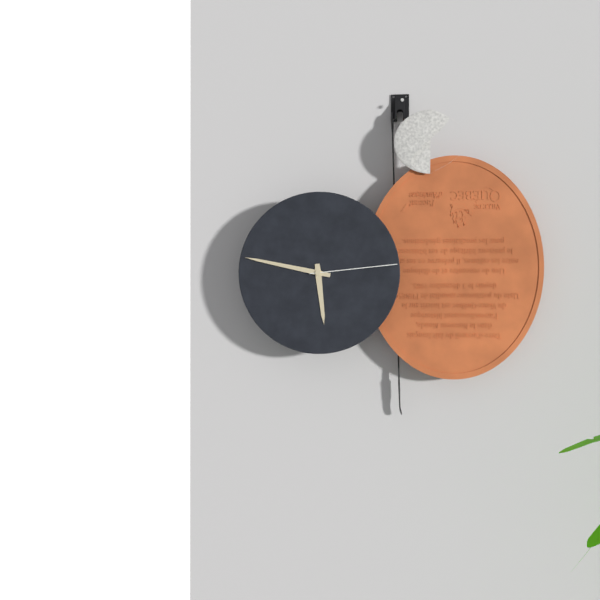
5:47:14
